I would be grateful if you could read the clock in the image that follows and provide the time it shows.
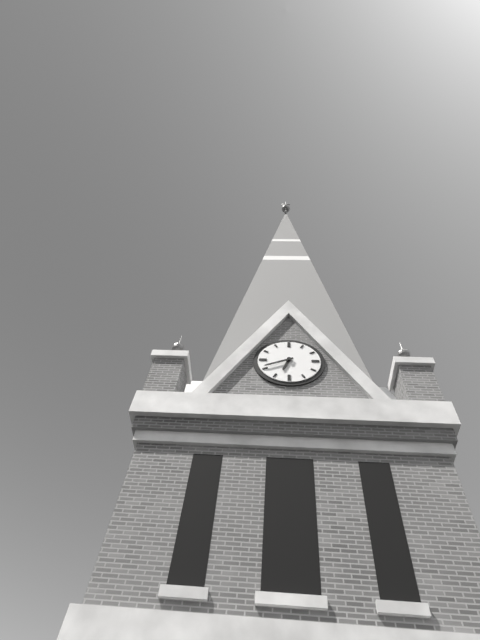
6:41
